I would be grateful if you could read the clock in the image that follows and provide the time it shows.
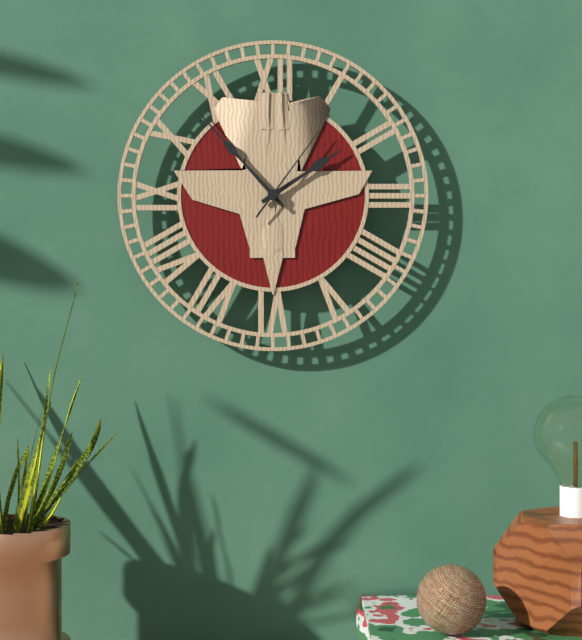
1:53:06
